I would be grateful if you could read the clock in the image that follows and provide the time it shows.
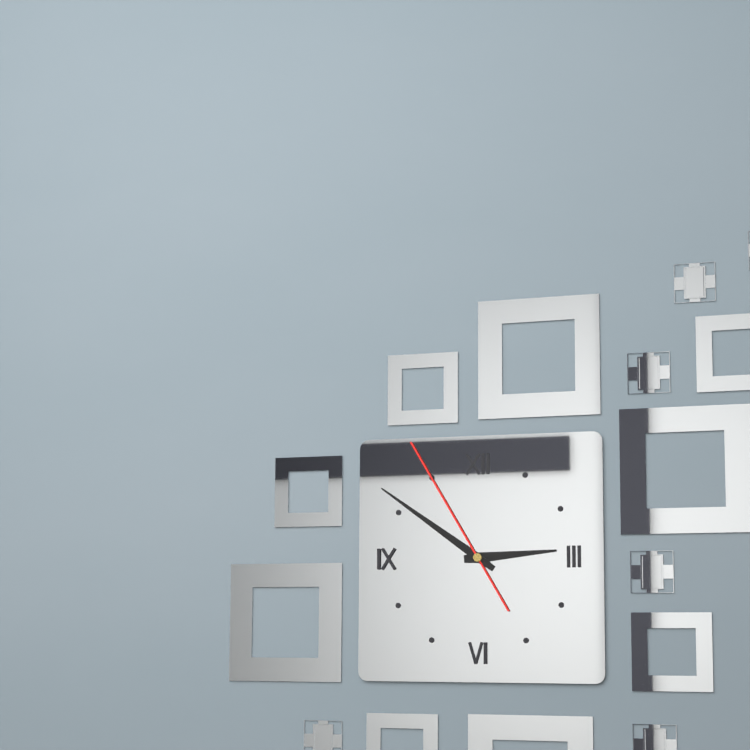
2:51:55
